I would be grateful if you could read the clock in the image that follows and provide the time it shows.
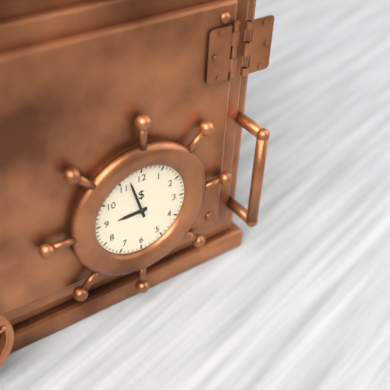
8:57
